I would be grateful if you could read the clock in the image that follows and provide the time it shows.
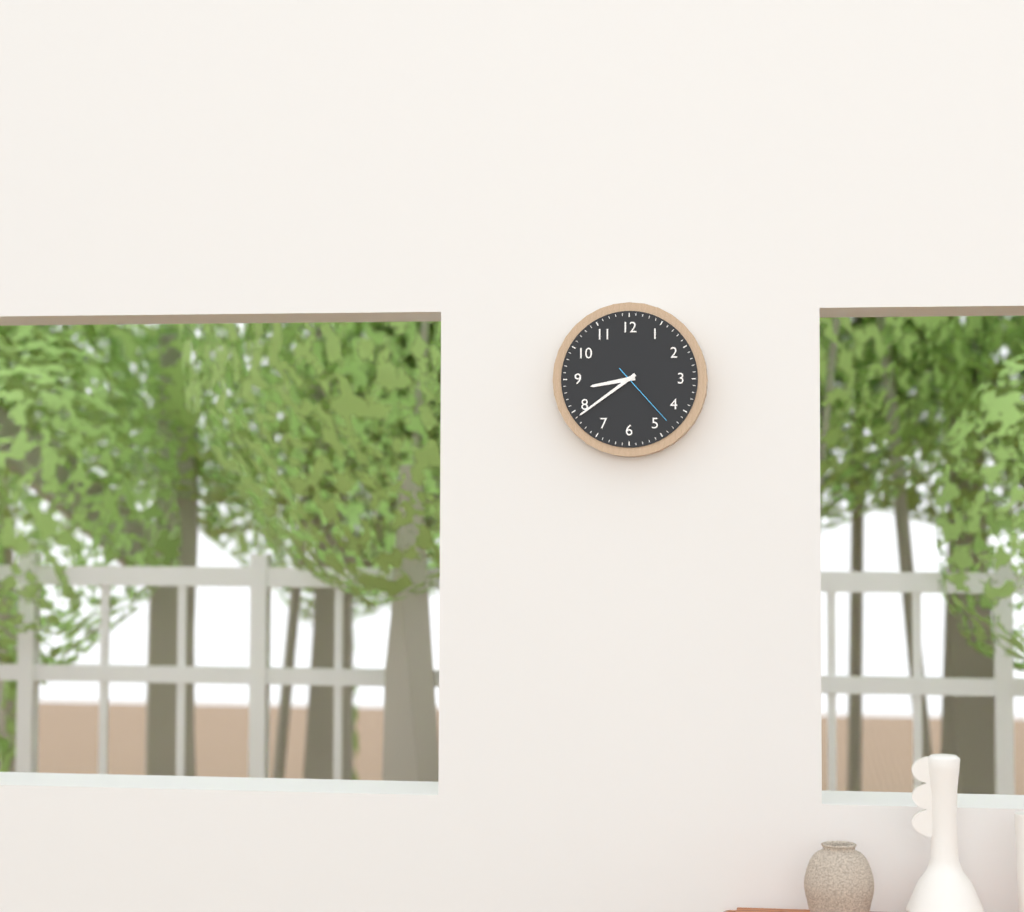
8:39:23
